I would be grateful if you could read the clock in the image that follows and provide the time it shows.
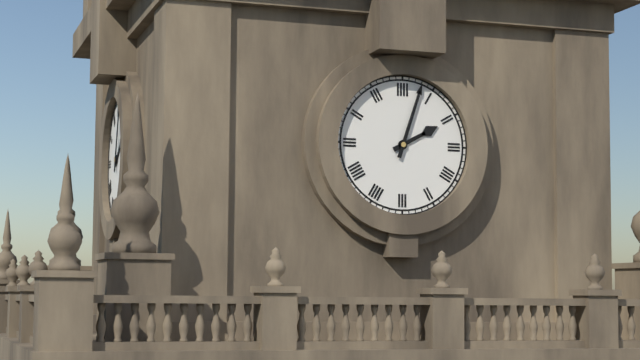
2:03
